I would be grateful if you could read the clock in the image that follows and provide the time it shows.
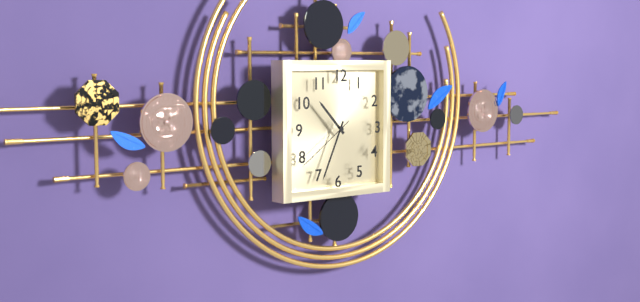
10:34:39
